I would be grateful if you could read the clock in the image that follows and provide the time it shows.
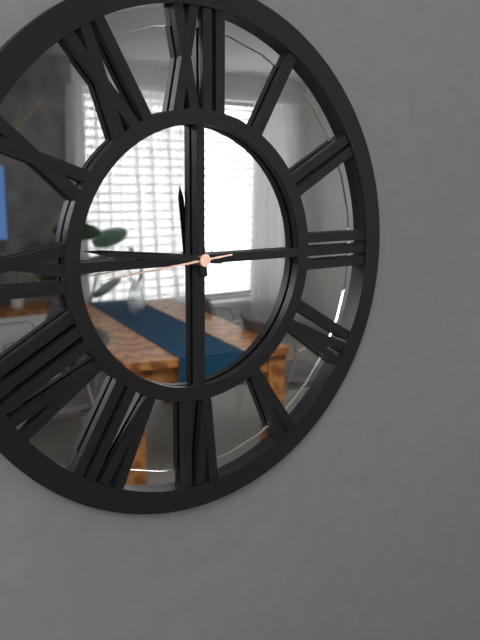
11:46:44
